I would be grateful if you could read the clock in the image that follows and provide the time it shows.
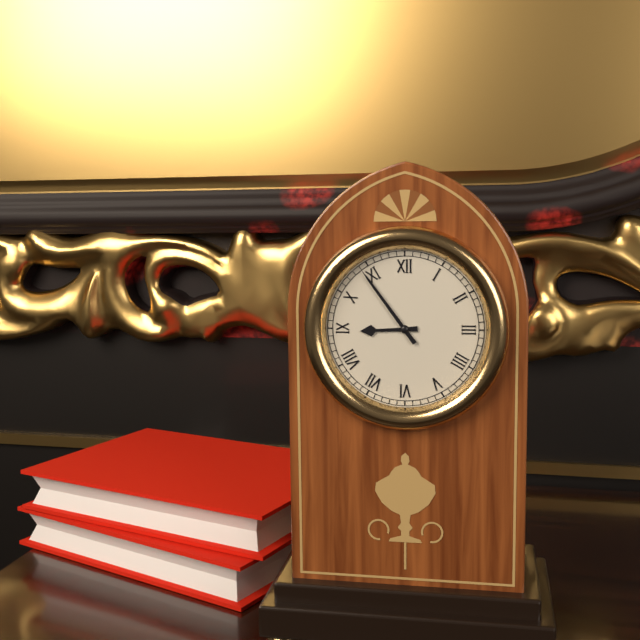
8:54
